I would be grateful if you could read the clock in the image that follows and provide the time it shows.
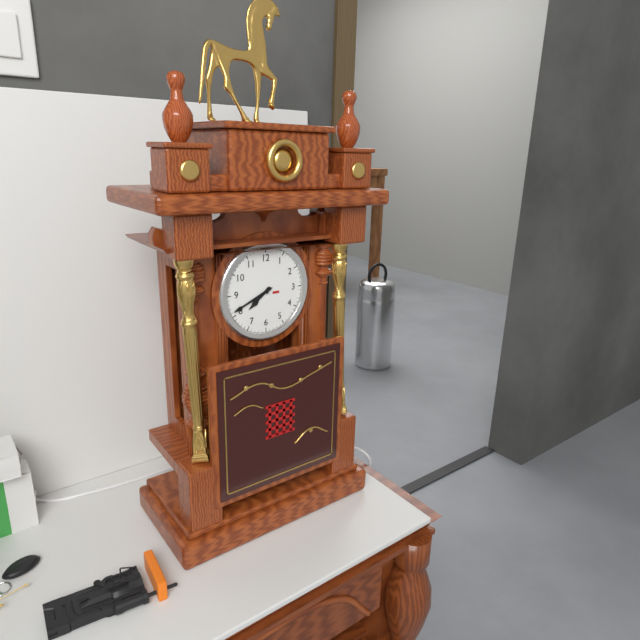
7:41
